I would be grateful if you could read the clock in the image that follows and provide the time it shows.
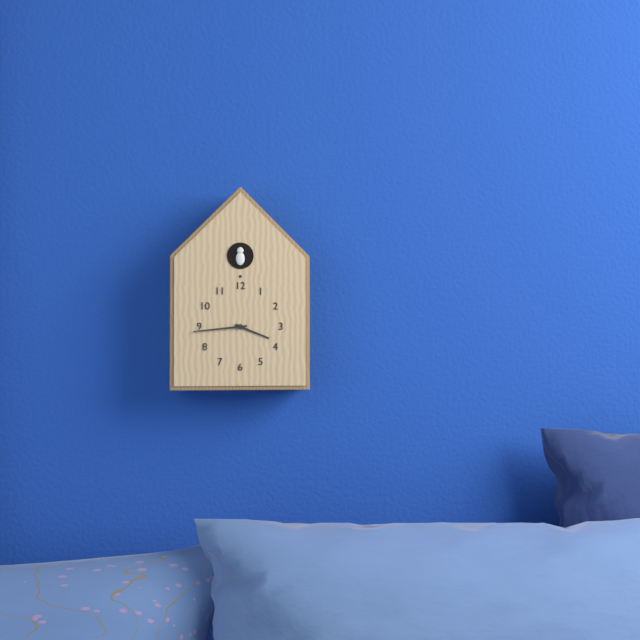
3:44
